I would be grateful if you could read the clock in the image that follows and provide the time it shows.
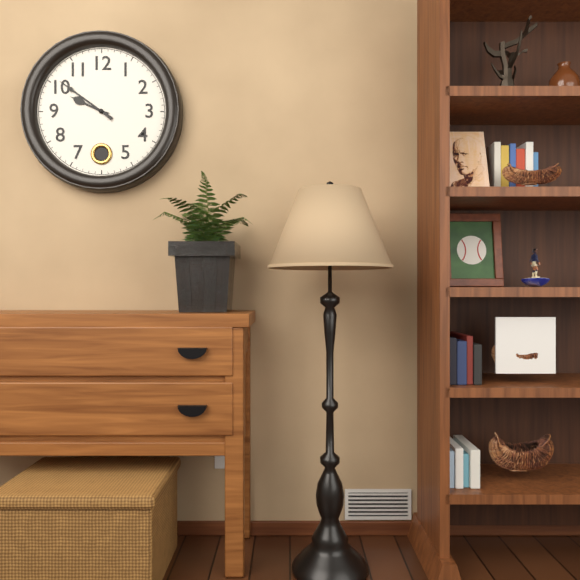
9:51
